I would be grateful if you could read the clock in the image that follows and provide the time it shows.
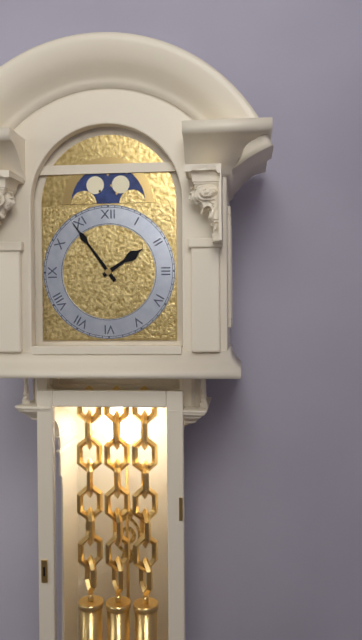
1:54
